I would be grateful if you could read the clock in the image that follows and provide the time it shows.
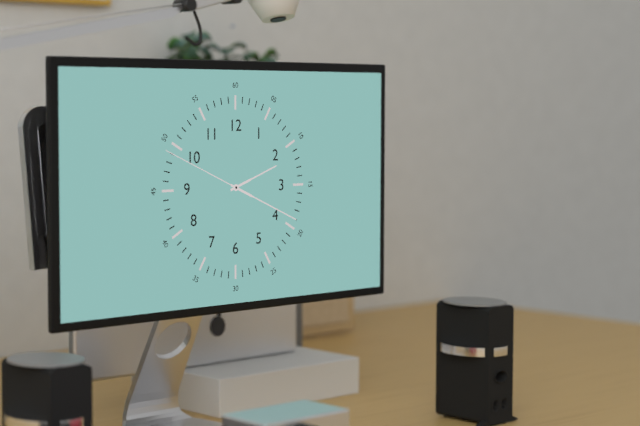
2:19:49
